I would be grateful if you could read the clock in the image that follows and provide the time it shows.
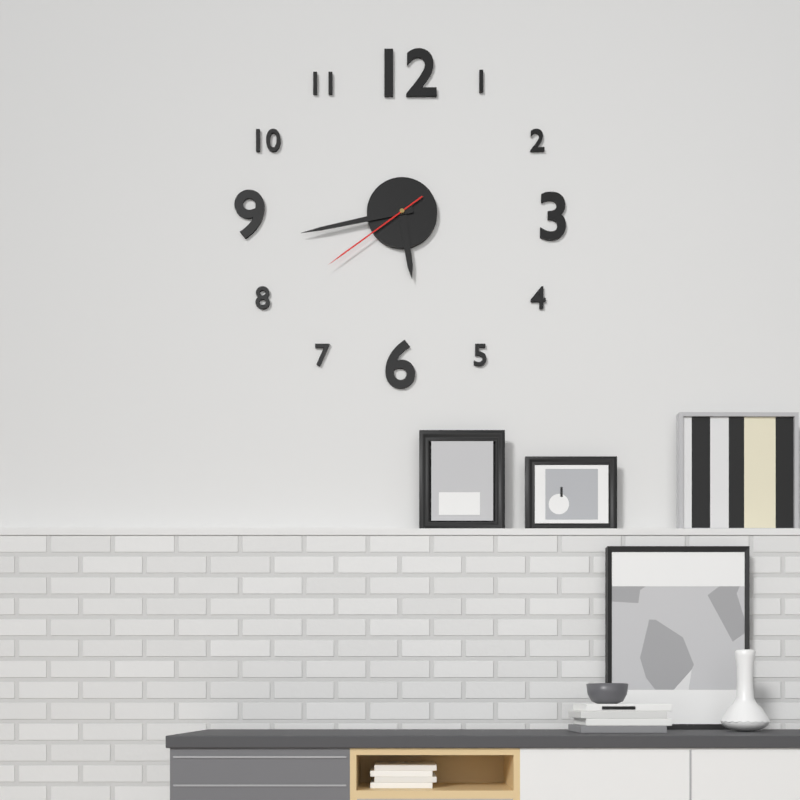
5:43:39
